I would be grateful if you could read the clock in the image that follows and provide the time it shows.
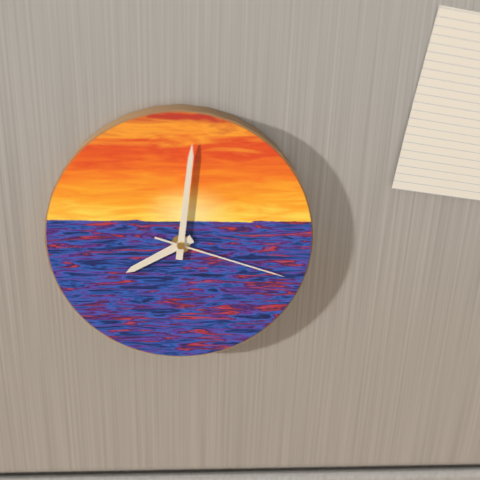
8:01:18
